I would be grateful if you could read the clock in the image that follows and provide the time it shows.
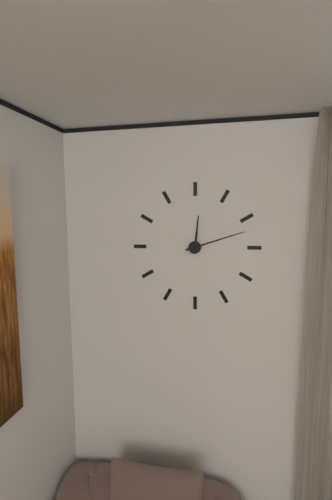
12:12
